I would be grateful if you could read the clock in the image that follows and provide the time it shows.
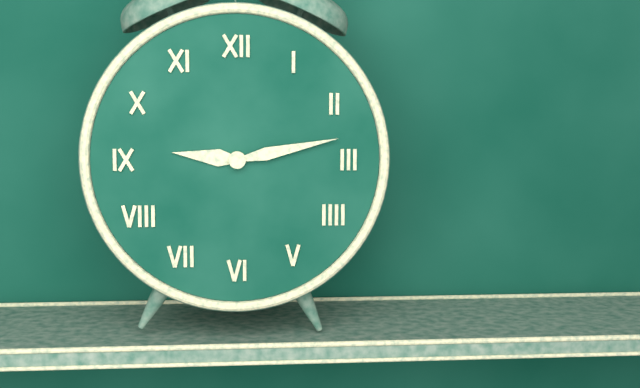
9:13
